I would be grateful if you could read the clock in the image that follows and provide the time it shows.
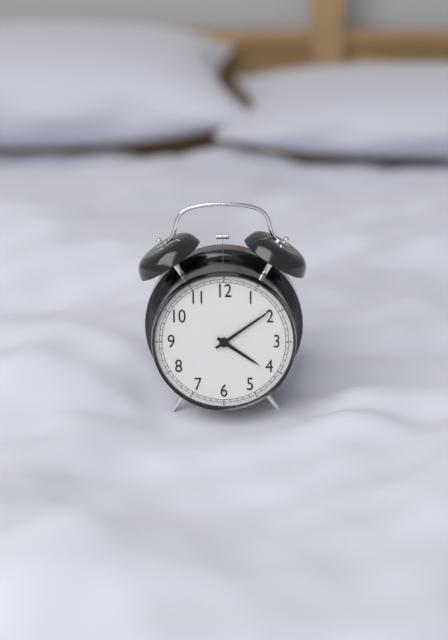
4:09
